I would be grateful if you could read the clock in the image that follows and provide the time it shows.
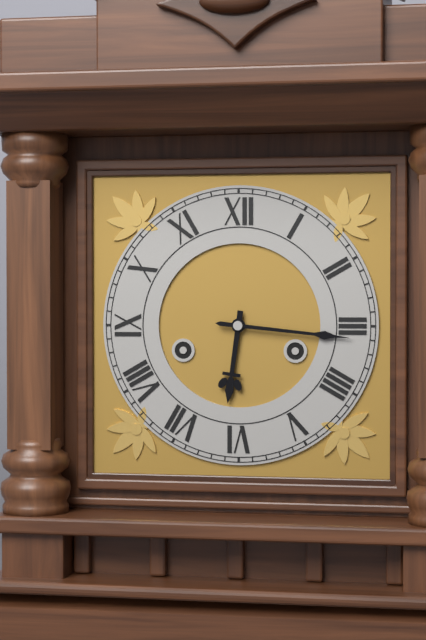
6:16
